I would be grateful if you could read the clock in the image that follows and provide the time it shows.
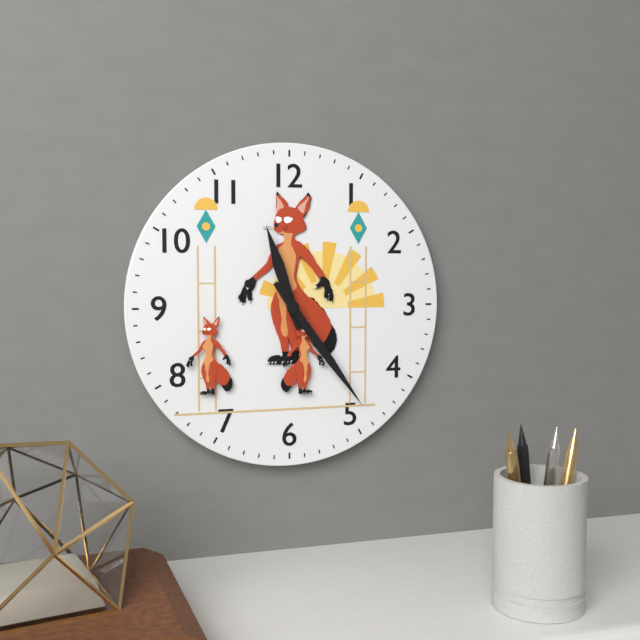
11:24
